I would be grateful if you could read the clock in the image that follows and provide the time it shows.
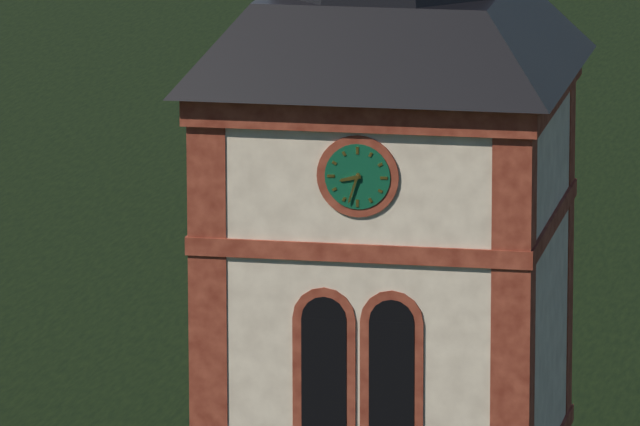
8:33
